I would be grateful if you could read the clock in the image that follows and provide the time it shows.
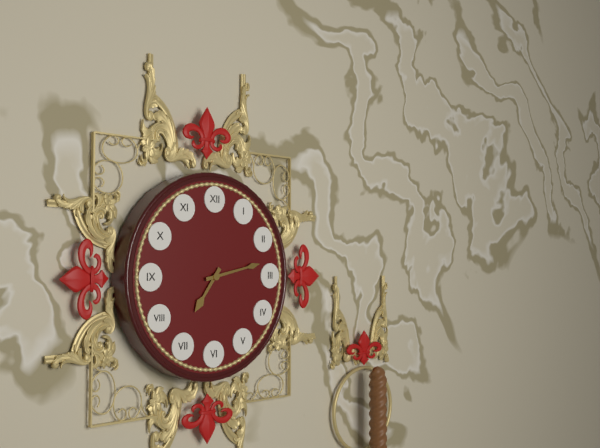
7:13
